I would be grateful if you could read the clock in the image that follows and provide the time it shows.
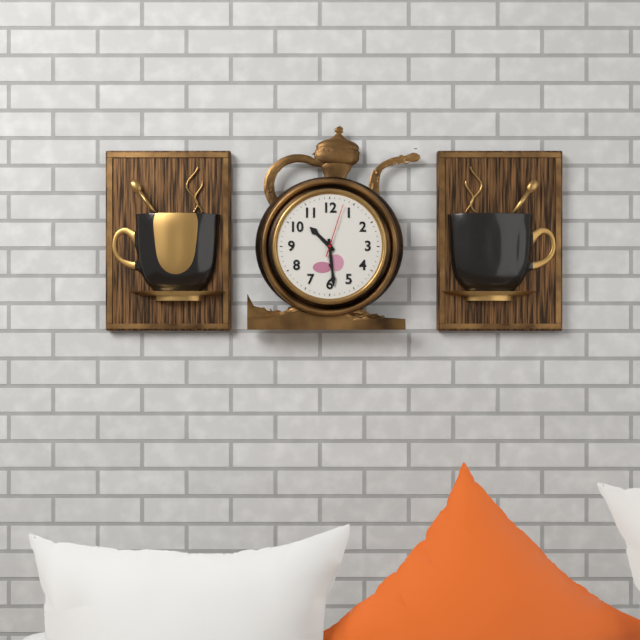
10:29:03
